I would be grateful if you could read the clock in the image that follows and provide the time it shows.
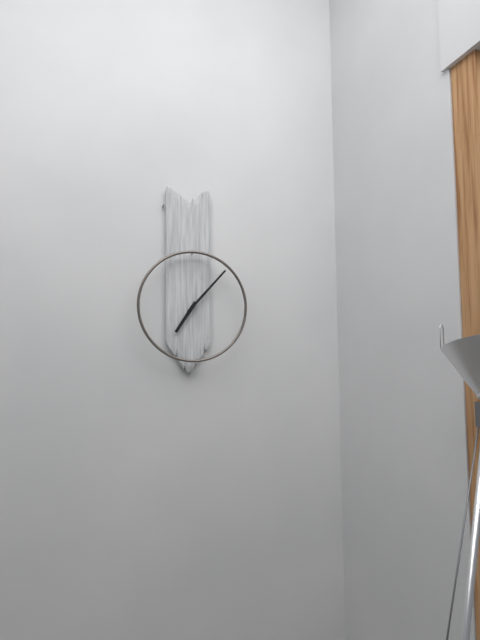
7:07
